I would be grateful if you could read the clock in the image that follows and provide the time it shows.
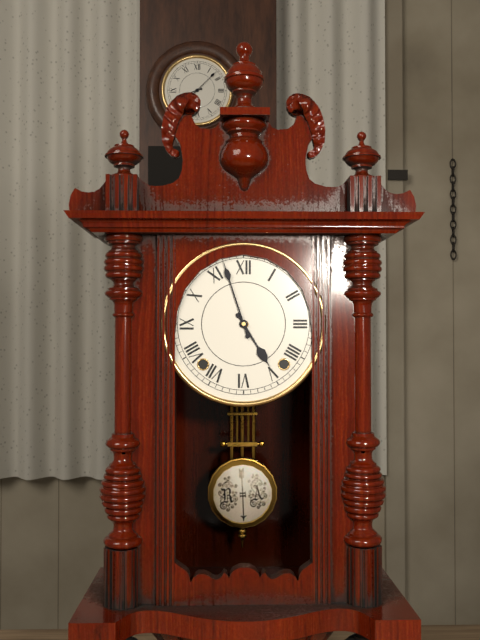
4:57
